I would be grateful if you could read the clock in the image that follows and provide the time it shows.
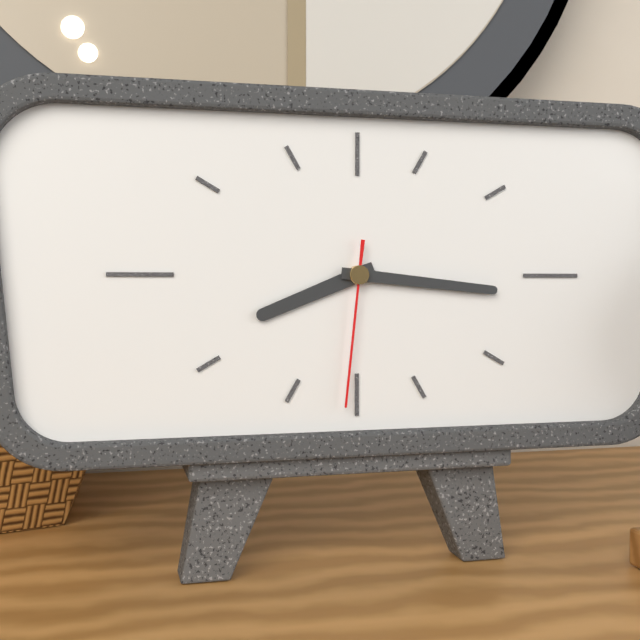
8:16:31
